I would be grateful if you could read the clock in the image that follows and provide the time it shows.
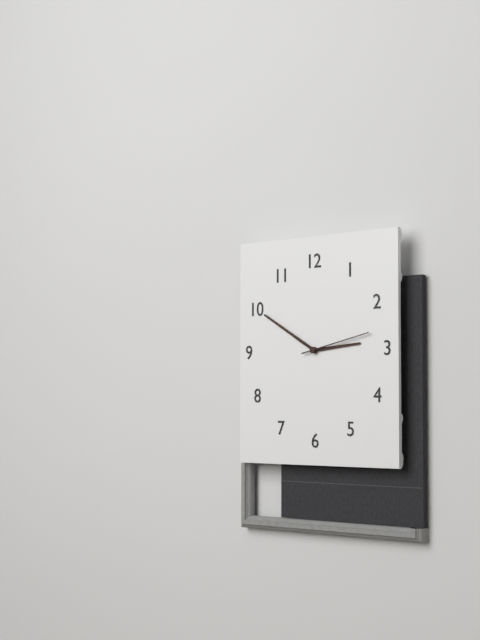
2:50:13
